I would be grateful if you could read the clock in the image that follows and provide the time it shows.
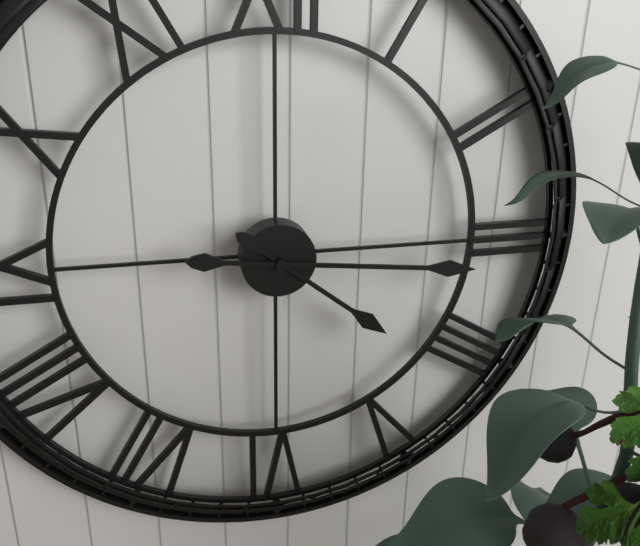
4:16
